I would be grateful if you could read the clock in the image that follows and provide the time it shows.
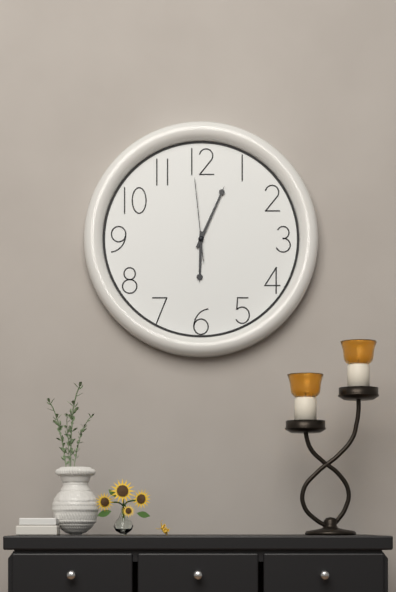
6:04:59
